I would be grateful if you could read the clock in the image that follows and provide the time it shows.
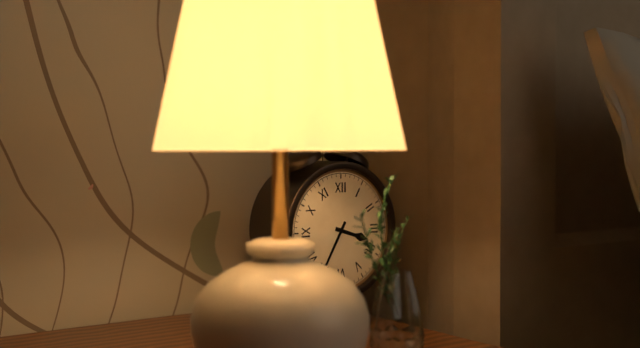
3:35
